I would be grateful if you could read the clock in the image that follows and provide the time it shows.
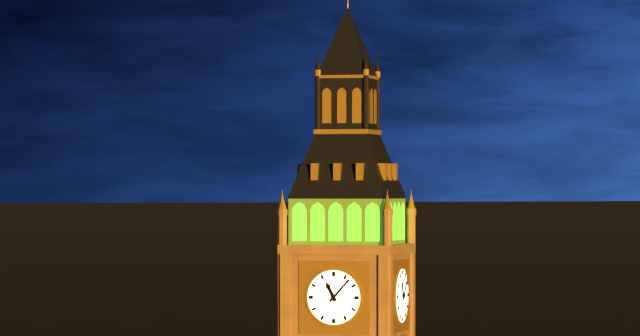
11:07
